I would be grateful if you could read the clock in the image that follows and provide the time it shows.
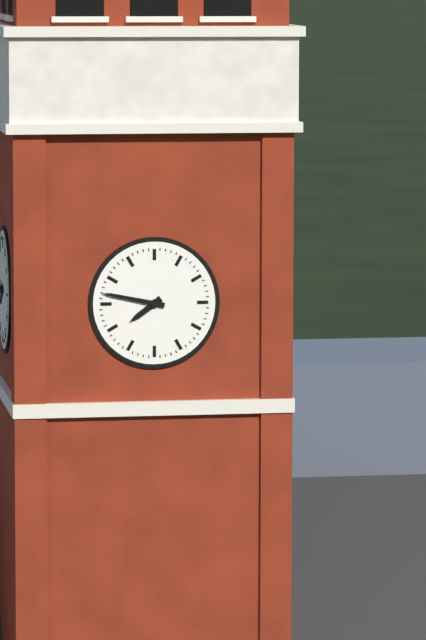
7:47
